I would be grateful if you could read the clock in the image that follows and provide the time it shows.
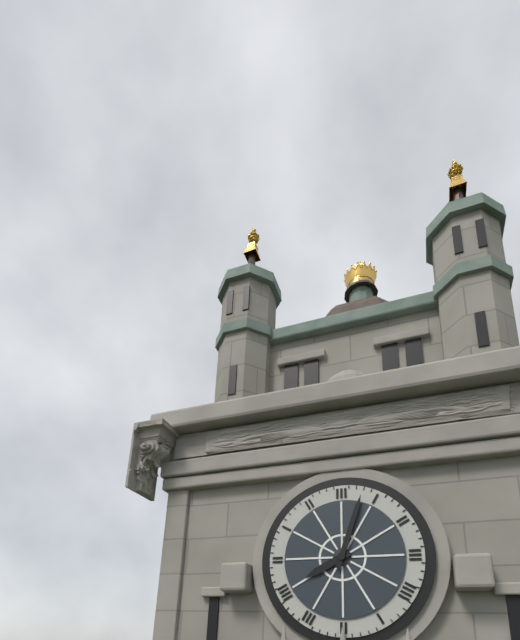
8:03
